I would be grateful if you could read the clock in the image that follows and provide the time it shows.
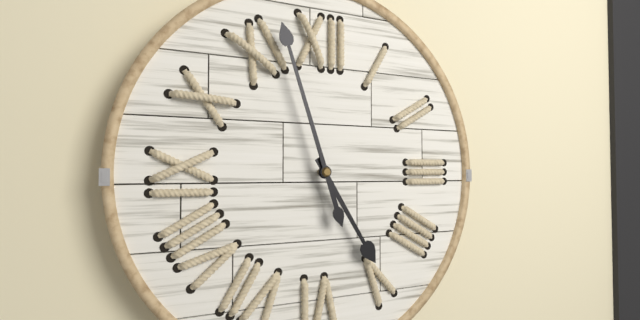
4:57
